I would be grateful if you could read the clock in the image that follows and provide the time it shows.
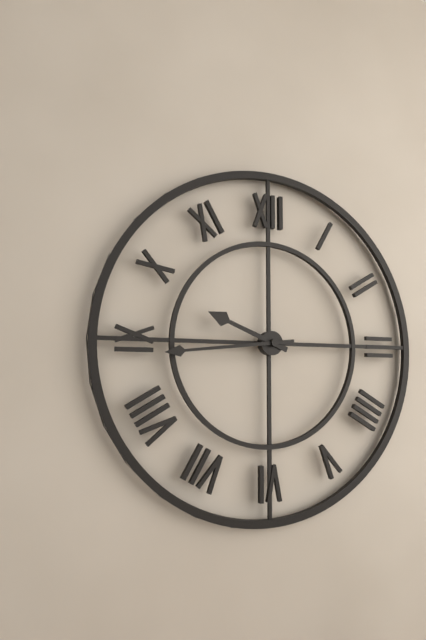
9:44
